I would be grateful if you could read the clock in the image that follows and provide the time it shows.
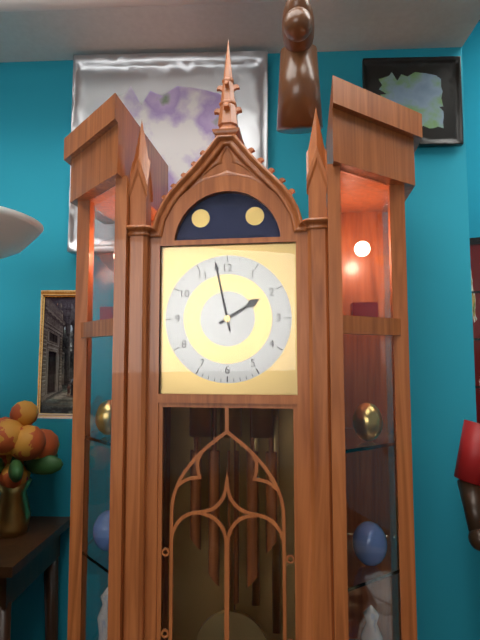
1:58
